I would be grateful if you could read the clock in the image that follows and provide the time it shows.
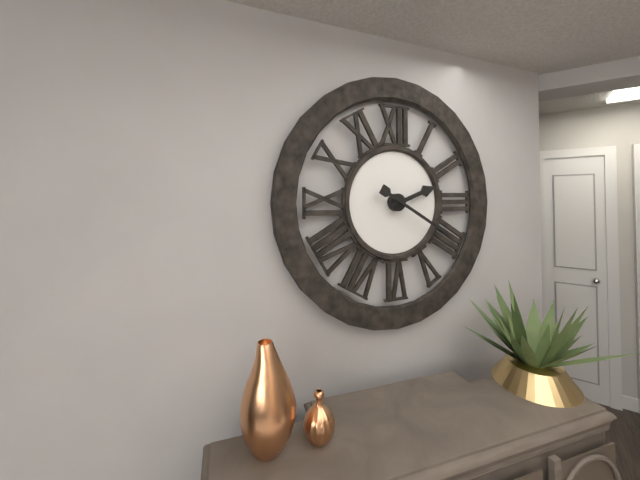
2:20
